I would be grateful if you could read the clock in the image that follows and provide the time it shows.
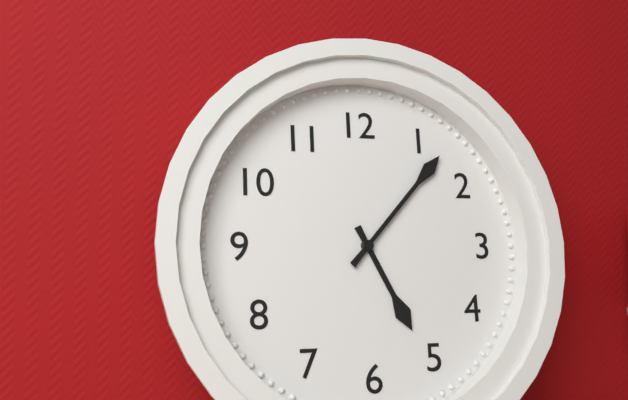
5:07
